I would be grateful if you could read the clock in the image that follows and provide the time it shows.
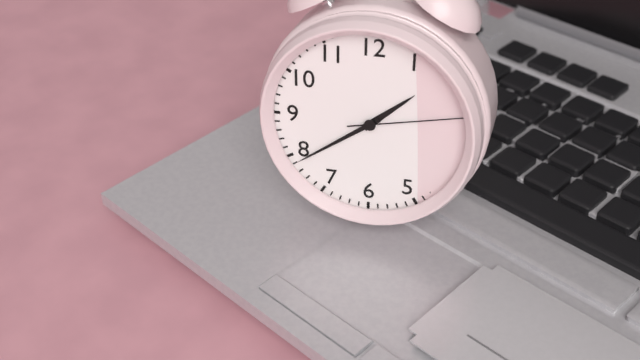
1:39:13
